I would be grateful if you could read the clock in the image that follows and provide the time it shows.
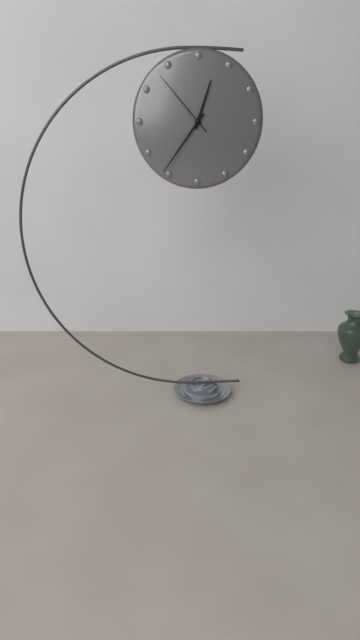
12:36:53
